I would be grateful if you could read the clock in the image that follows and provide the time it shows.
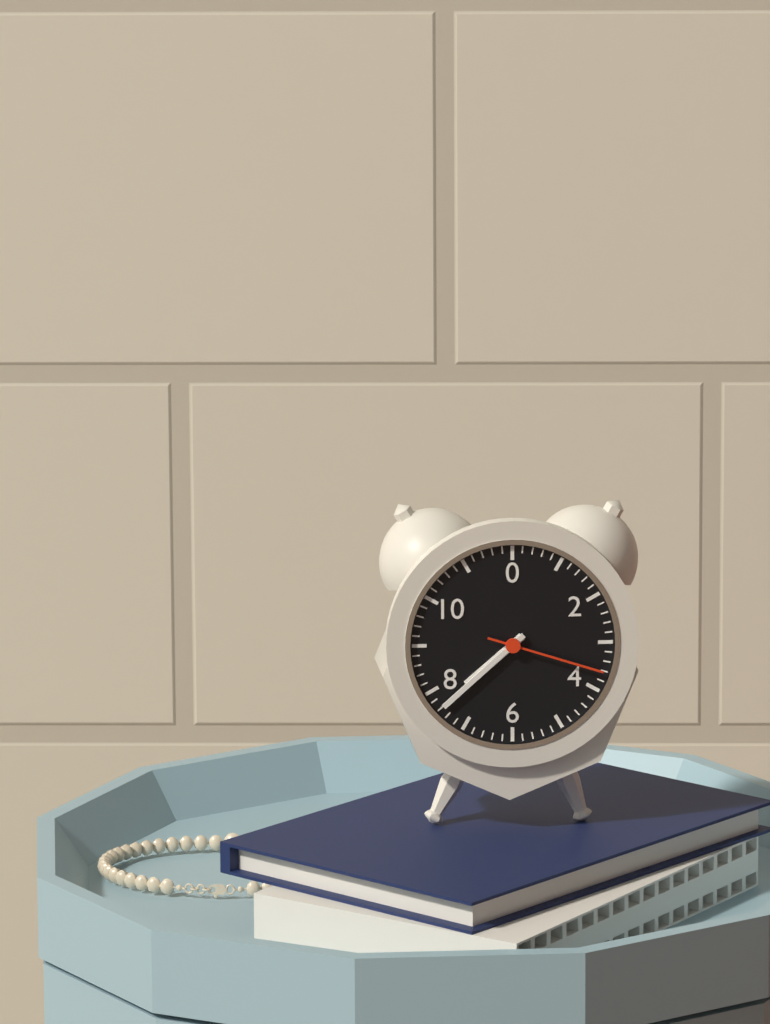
7:38:18
